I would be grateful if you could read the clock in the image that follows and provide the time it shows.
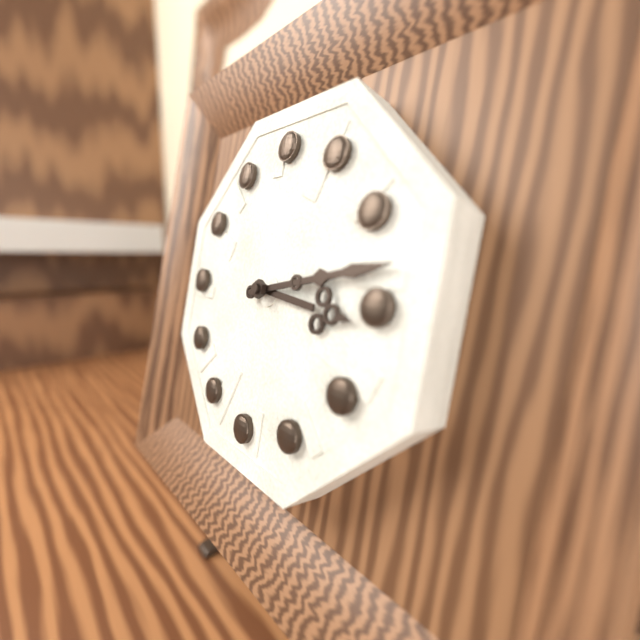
3:13
